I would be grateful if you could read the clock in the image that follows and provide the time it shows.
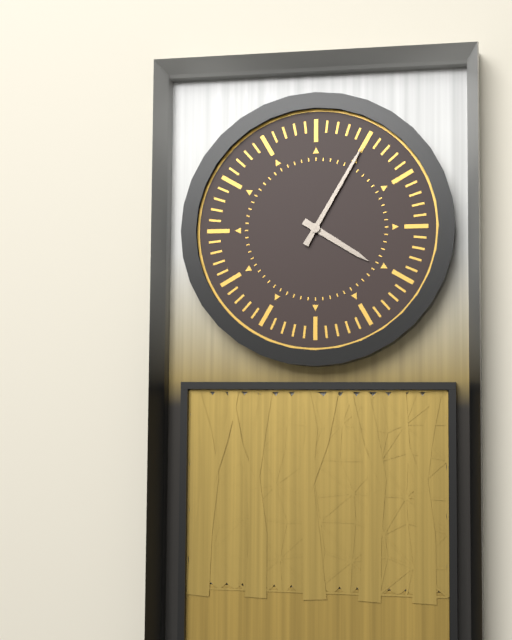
4:05
